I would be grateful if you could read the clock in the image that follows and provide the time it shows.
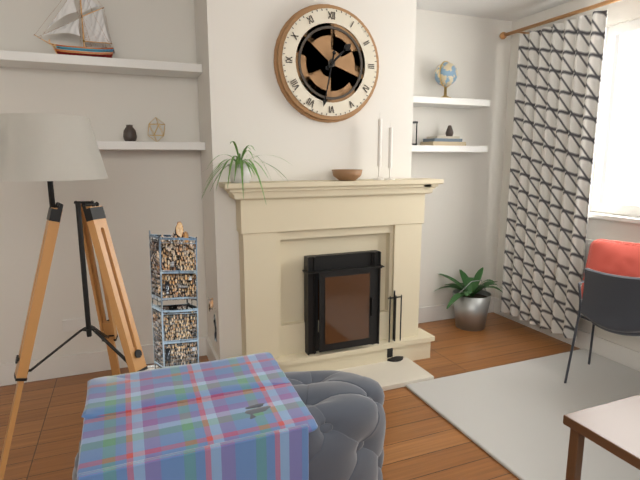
1:32
